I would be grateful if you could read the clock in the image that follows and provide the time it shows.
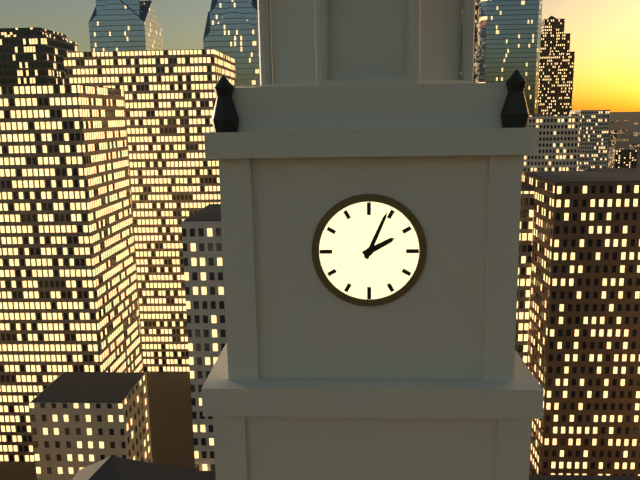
2:04
